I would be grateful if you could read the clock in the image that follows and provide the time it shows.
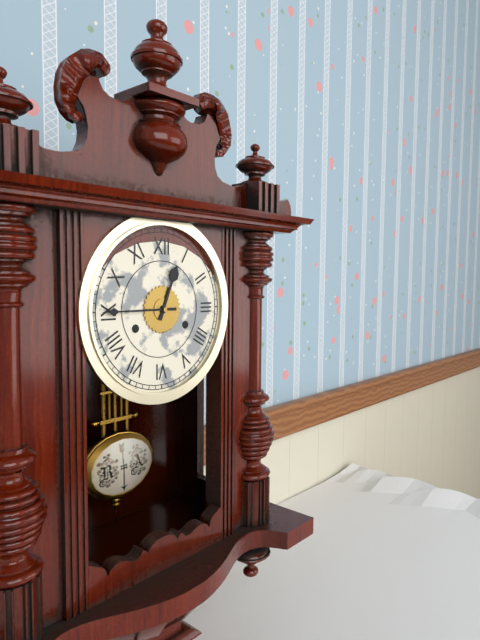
12:45
